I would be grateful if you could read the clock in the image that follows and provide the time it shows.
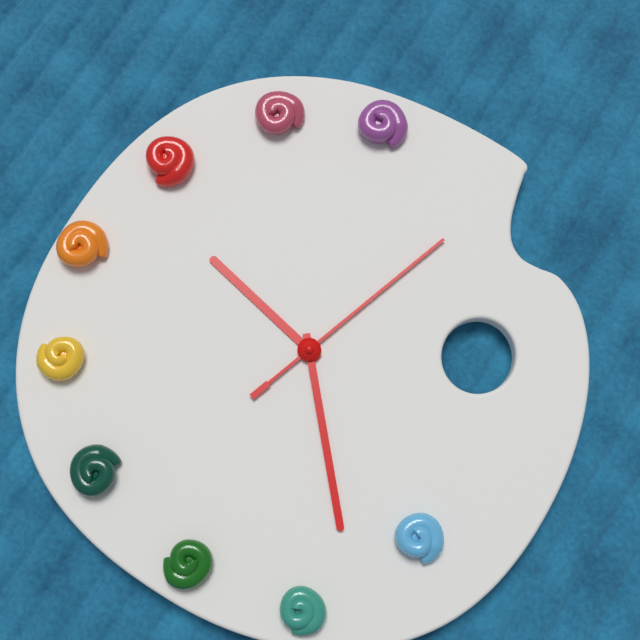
9:23:03
